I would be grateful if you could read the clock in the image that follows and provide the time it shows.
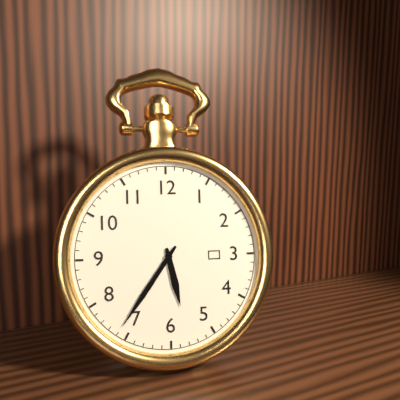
5:36
